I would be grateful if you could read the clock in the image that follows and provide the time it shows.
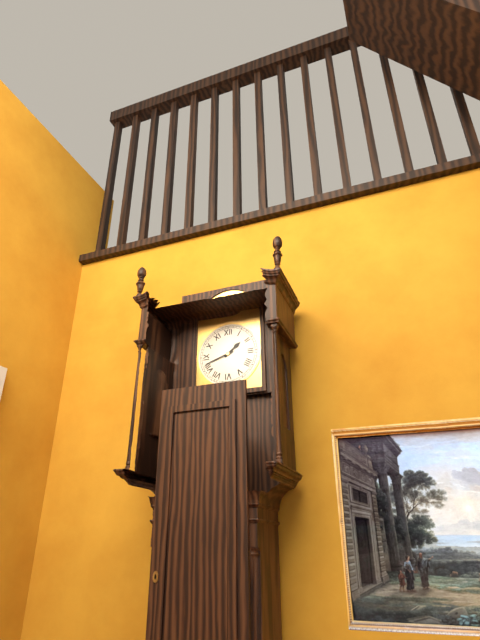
1:42
